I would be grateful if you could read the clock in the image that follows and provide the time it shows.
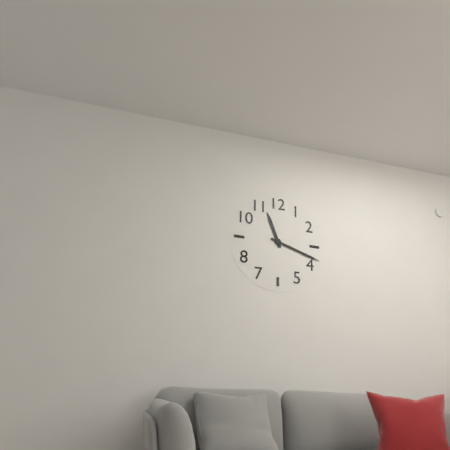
11:18
